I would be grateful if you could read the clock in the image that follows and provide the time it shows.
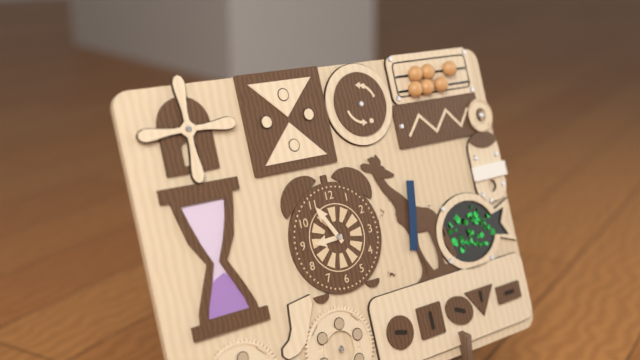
8:55
